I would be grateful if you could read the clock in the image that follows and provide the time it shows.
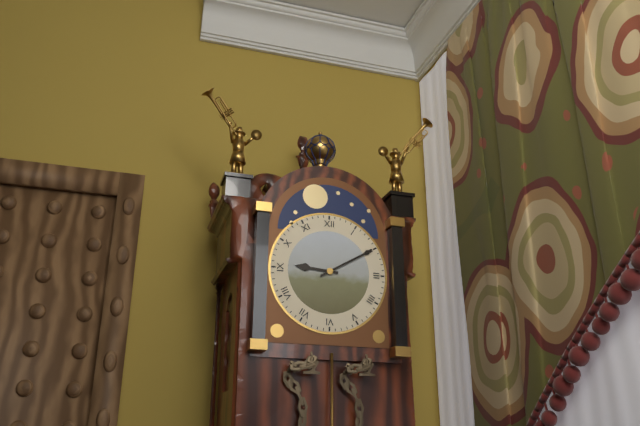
9:10
